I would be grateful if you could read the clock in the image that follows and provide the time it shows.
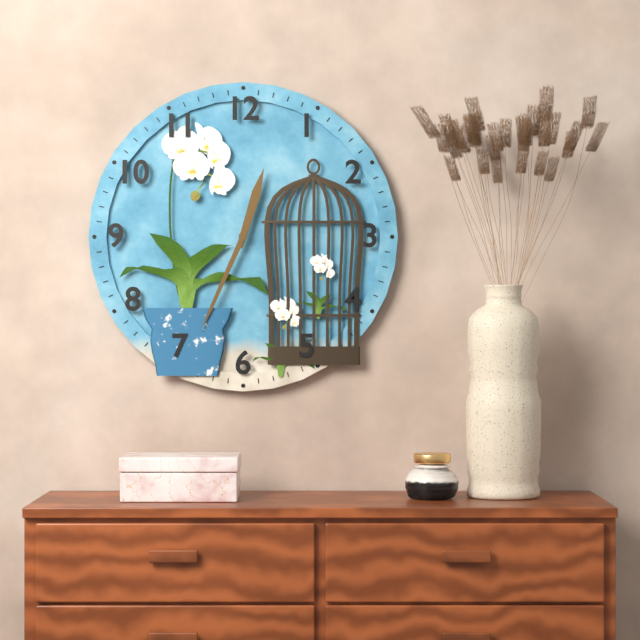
12:34
